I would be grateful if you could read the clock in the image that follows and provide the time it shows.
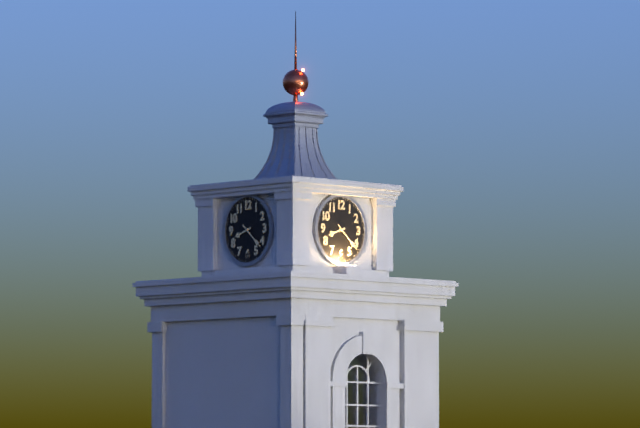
8:22
